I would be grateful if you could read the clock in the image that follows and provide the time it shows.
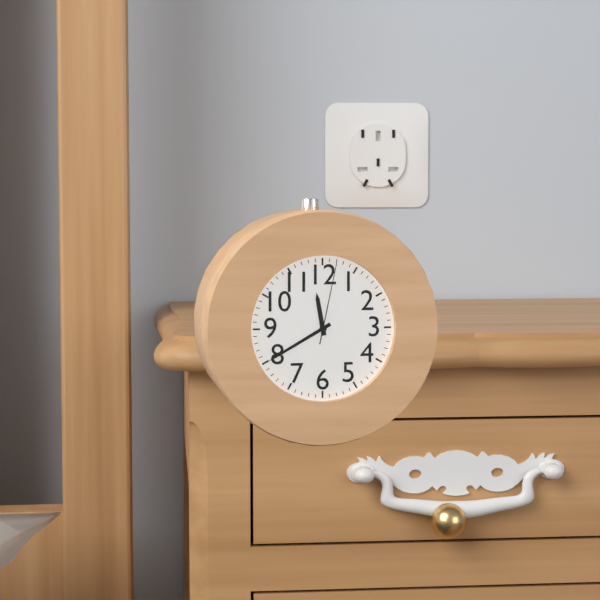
11:40:02
